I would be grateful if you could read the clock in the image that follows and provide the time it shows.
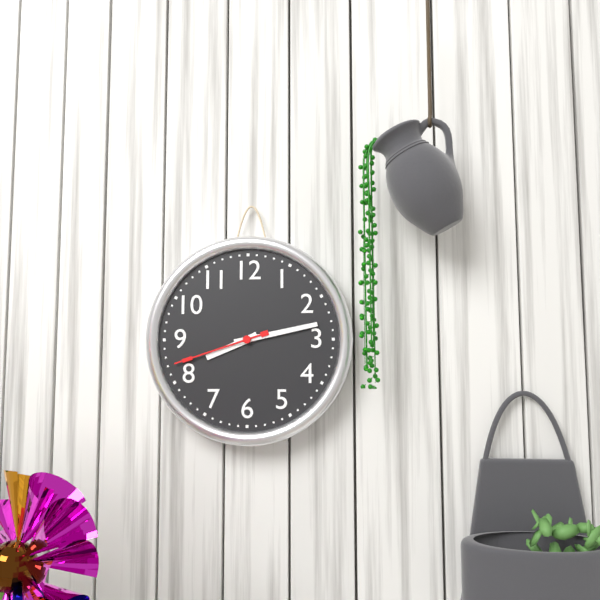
8:13:42
